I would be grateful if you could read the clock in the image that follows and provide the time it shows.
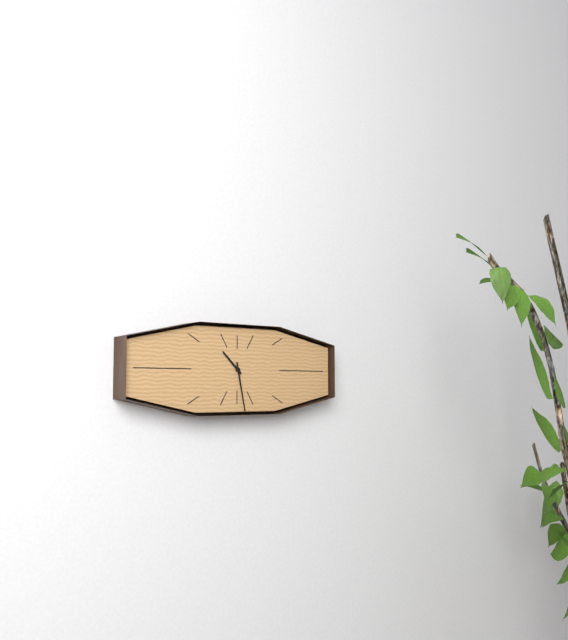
10:28
